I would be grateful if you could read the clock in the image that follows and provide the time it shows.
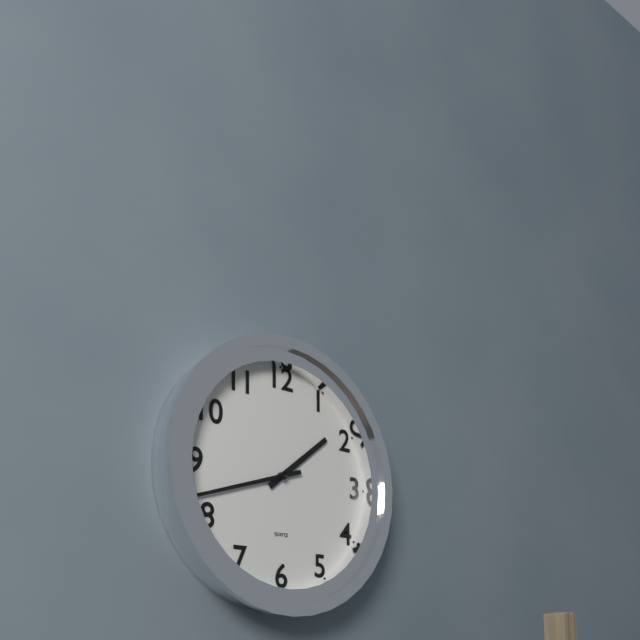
1:42
